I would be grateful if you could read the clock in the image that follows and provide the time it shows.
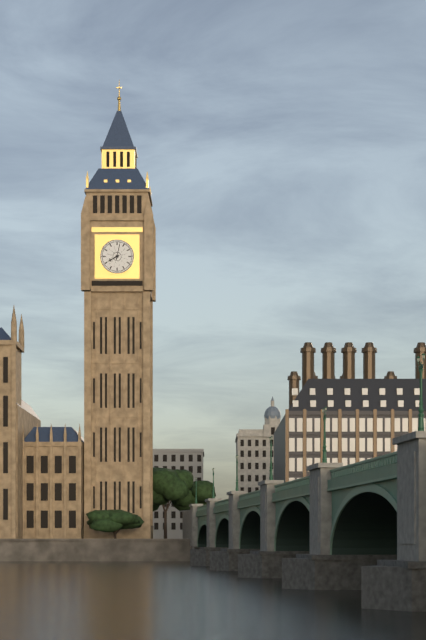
8:02
